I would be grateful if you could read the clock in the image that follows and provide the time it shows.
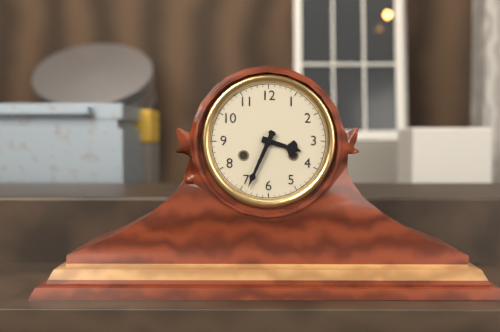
3:34
